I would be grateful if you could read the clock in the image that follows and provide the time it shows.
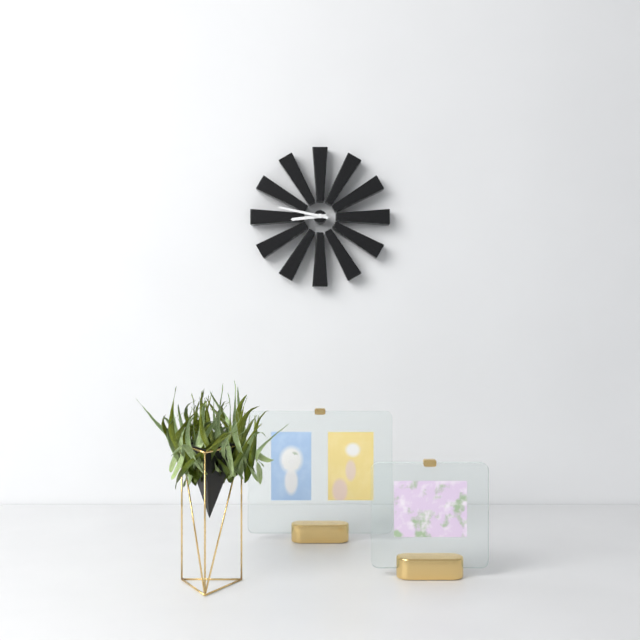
8:47
